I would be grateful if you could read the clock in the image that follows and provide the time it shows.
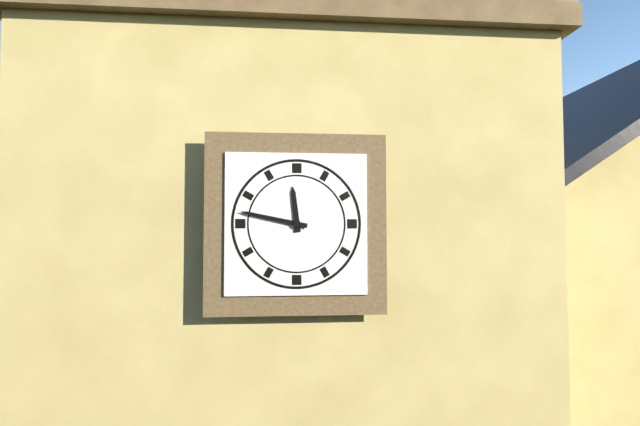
11:47
